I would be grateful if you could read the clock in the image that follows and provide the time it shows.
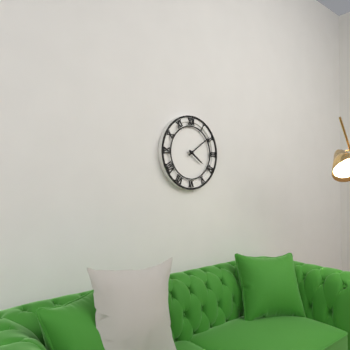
4:09
